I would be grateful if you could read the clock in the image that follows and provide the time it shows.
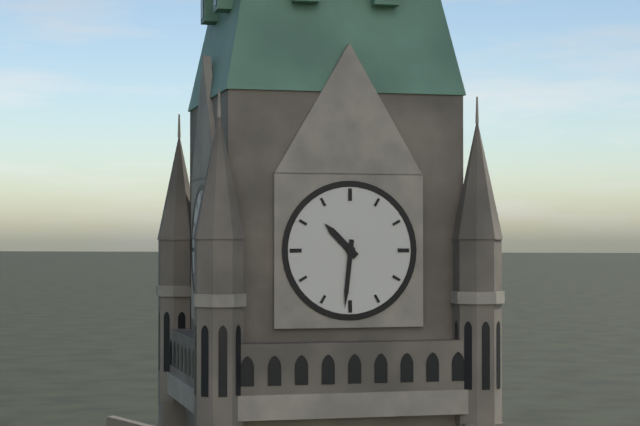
10:31
